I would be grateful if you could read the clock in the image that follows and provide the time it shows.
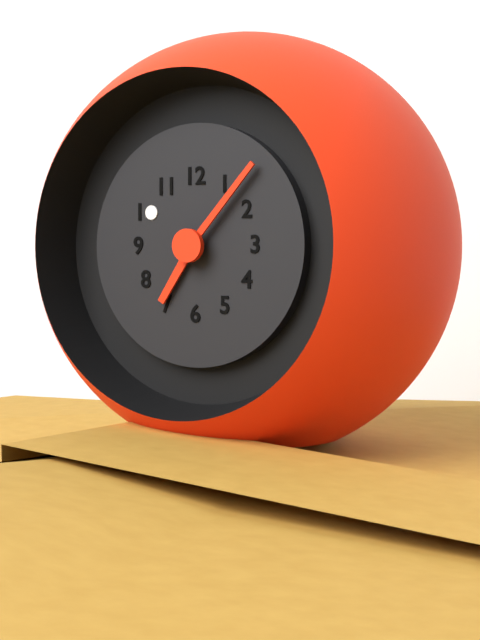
7:07
